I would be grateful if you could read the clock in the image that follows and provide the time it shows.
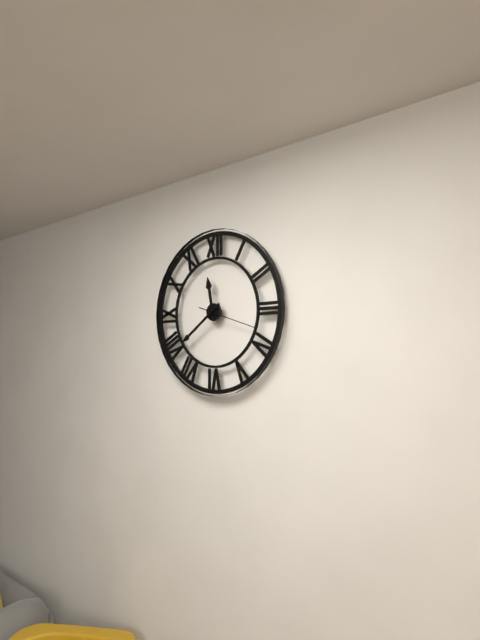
11:39:18
